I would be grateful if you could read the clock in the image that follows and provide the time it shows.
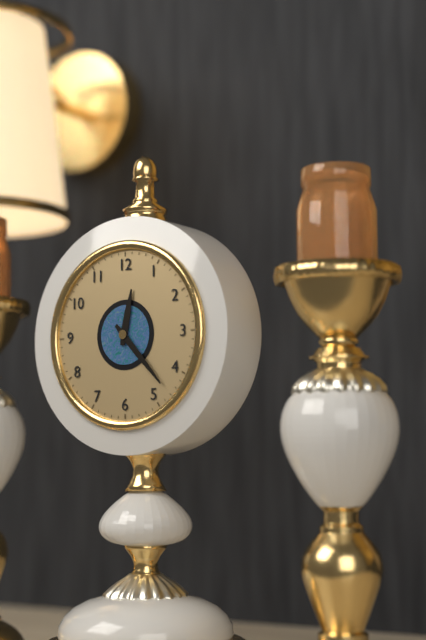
12:23
